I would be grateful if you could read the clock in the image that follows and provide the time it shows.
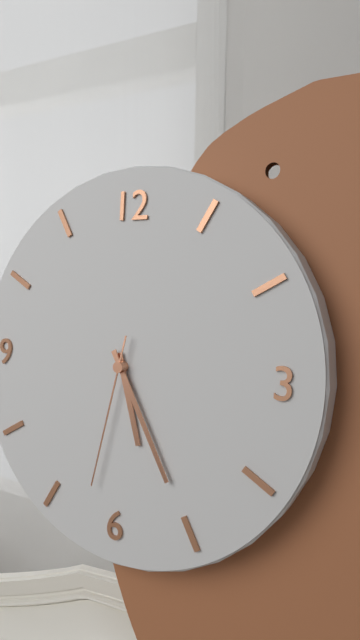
5:25:32
